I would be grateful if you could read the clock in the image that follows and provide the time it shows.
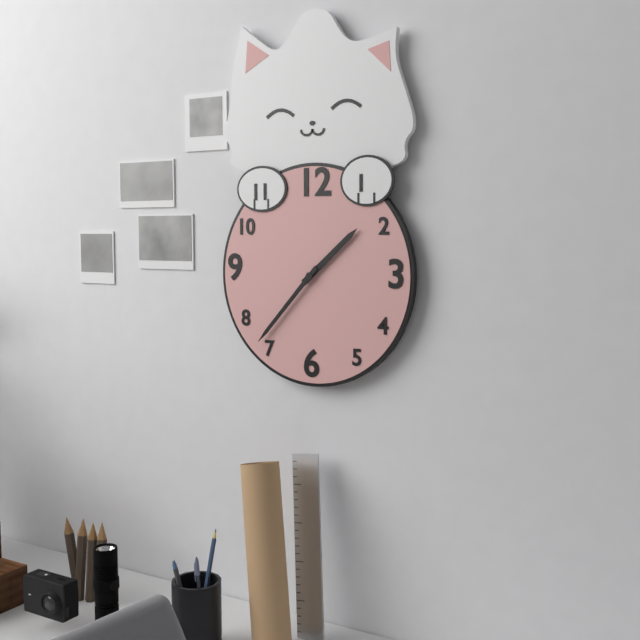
1:37
